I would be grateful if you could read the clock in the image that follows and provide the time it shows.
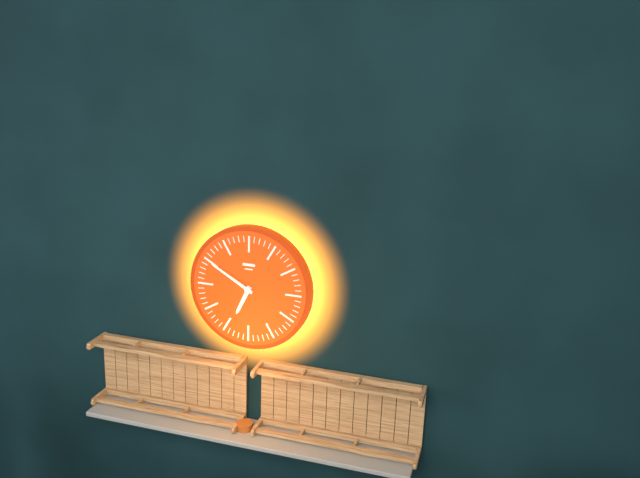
6:50
